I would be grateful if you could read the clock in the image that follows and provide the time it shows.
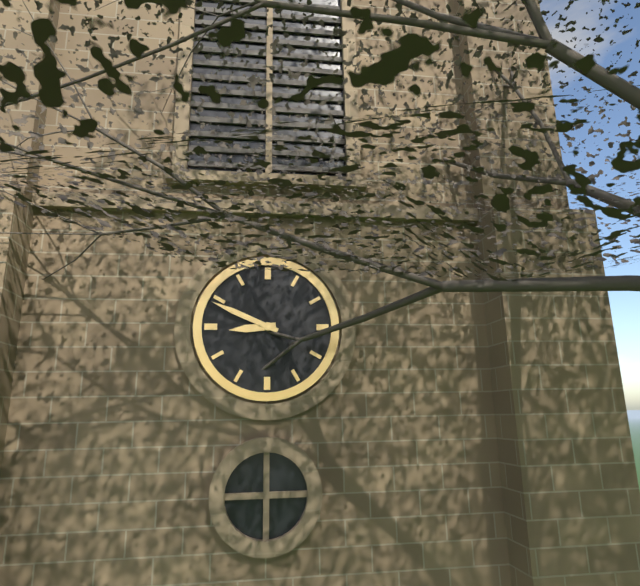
8:49
